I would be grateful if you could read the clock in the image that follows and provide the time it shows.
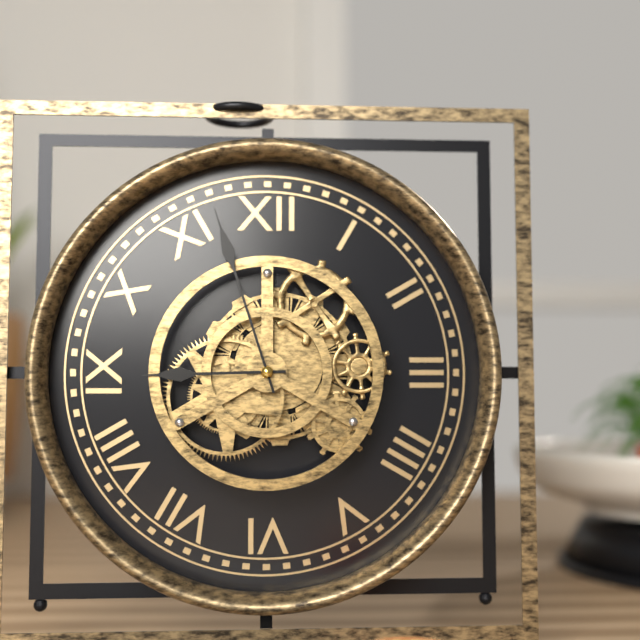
8:57
